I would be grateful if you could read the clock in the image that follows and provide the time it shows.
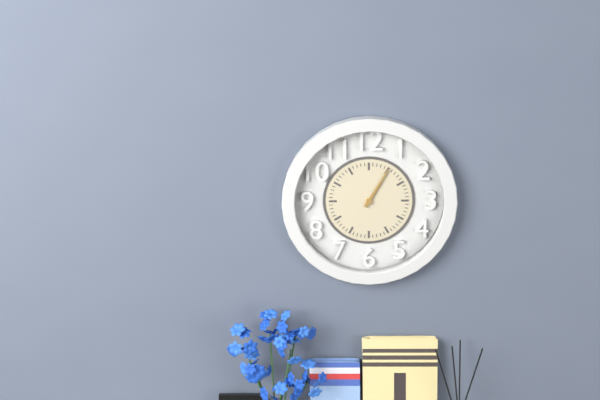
1:05
